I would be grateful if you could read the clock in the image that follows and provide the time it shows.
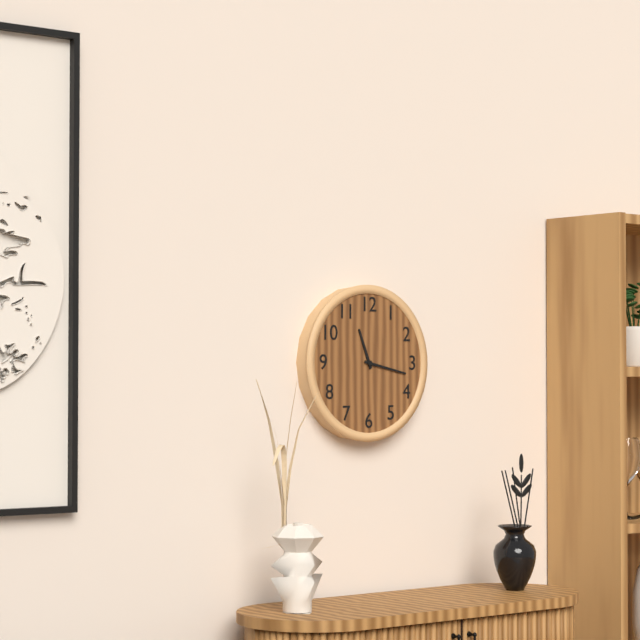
11:17
